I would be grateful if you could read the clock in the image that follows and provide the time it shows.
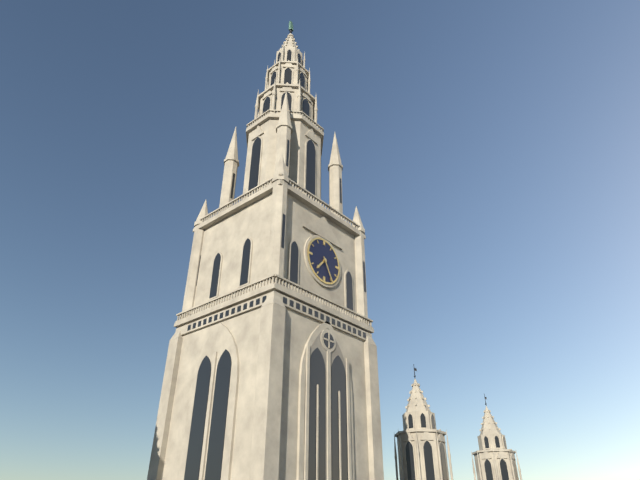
7:25
